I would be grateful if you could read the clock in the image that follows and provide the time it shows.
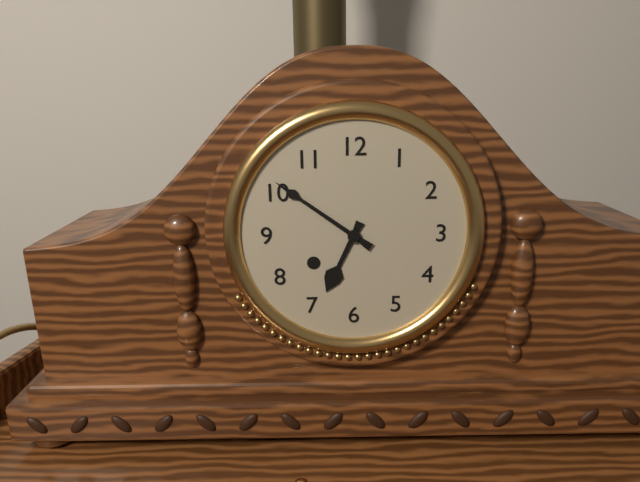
6:51
